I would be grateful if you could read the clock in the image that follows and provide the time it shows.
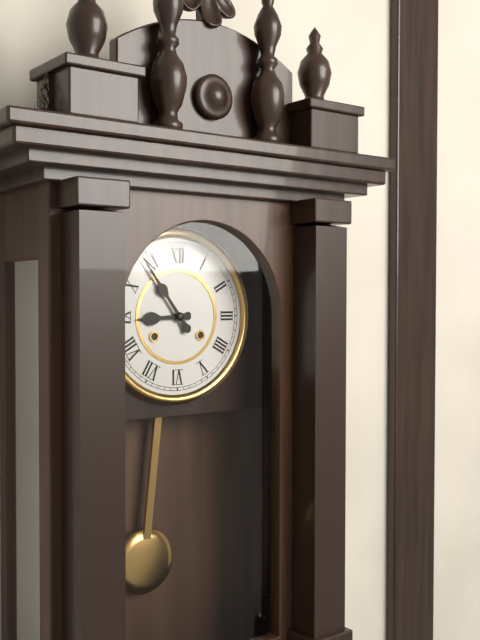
8:54
